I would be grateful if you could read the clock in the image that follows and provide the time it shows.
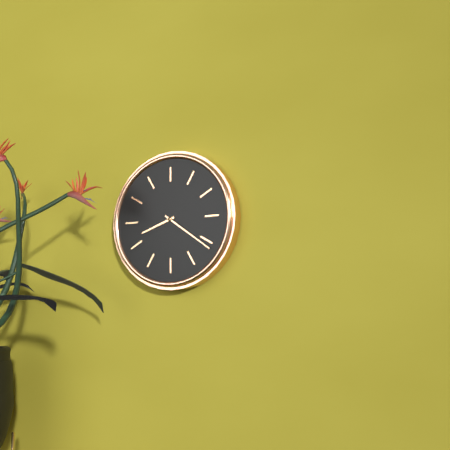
8:21
